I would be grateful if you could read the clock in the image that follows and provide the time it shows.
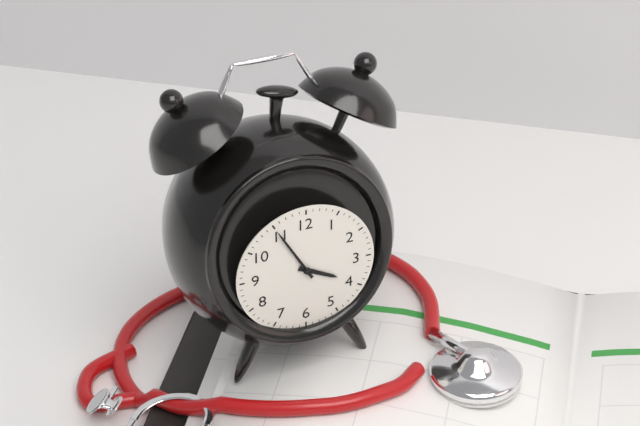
3:55
